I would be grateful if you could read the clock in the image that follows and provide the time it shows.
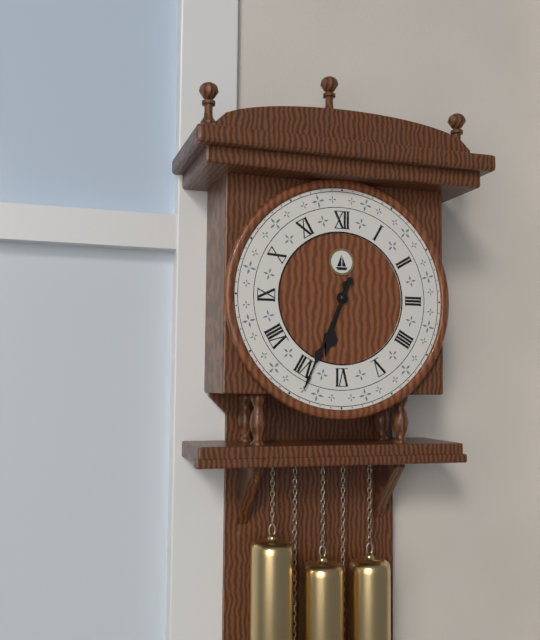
6:34
